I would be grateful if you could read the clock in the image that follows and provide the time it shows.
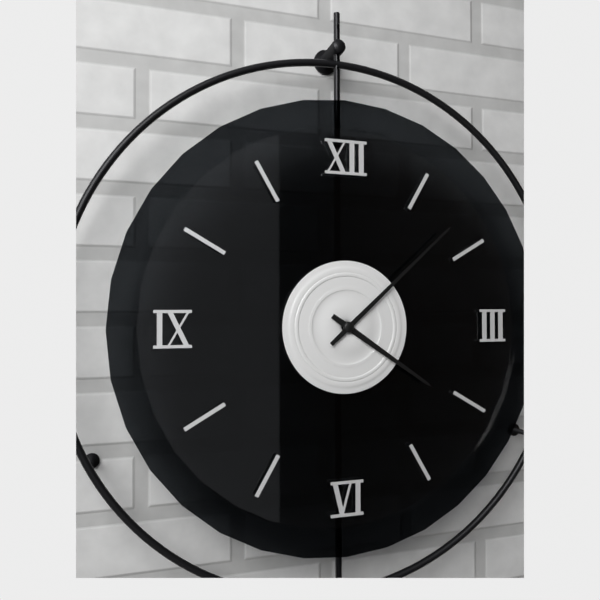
4:08
